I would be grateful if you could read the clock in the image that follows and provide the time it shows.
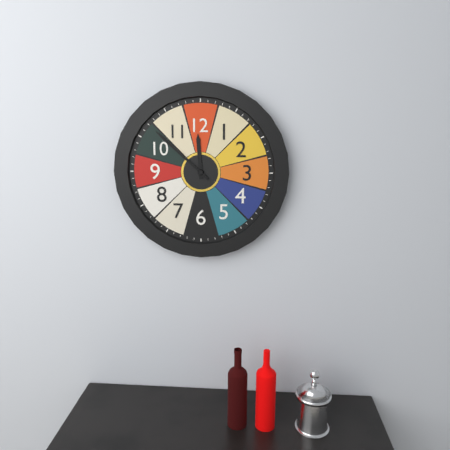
11:52
